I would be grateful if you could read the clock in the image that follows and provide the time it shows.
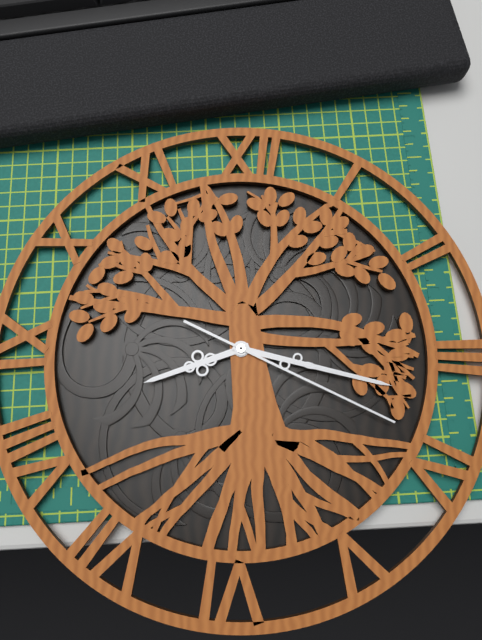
8:17:19
